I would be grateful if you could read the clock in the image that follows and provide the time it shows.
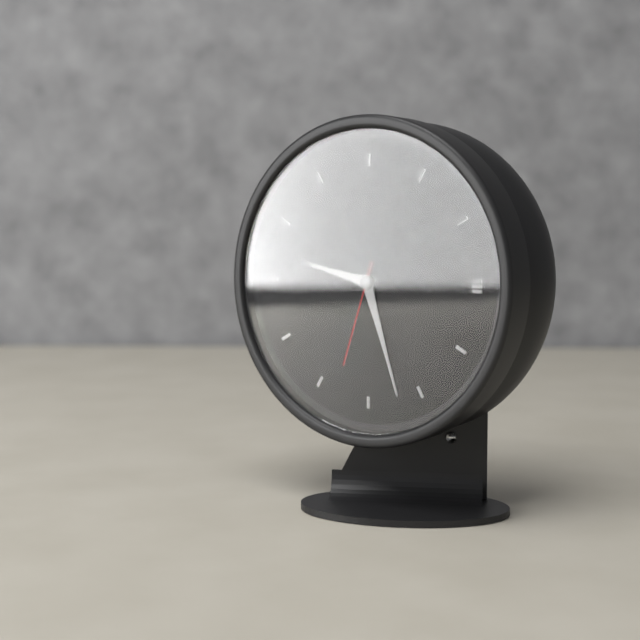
9:27:33
